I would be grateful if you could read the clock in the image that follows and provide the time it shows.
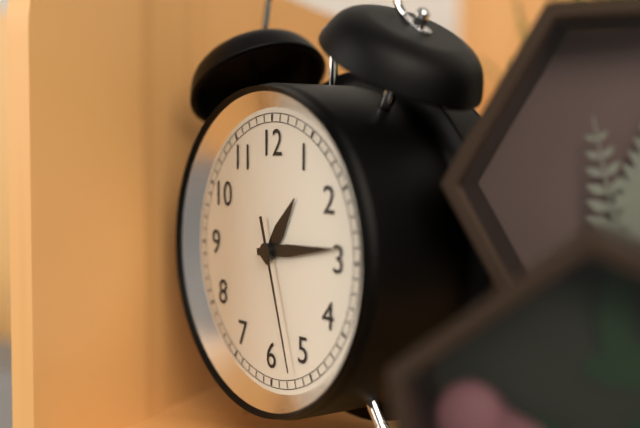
1:14:27
